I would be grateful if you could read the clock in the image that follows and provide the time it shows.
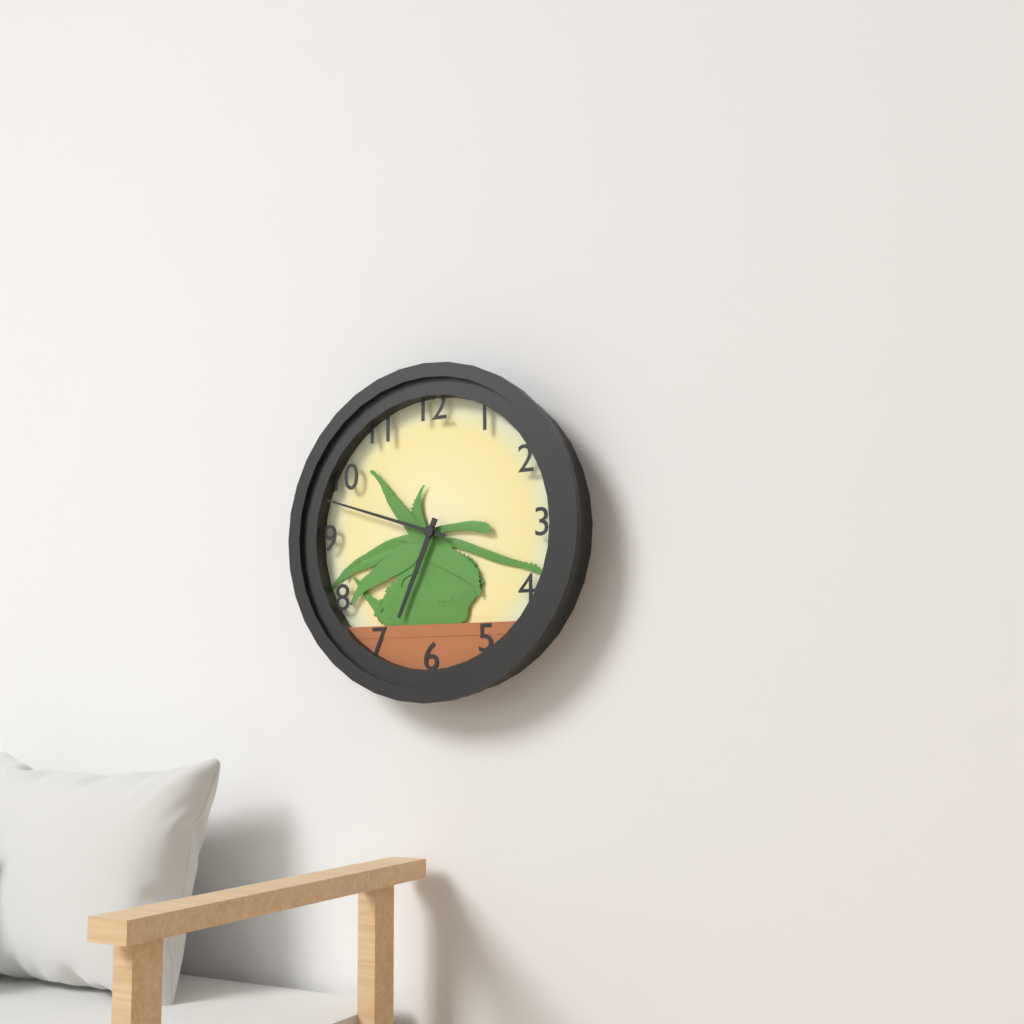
6:48
